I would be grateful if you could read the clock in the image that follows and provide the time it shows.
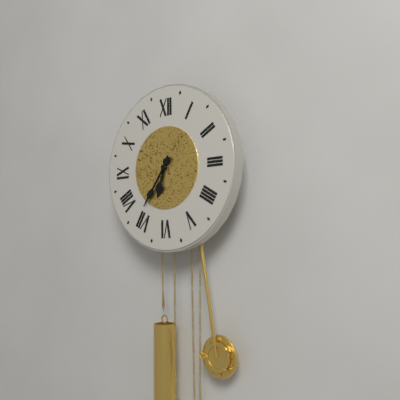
6:36
